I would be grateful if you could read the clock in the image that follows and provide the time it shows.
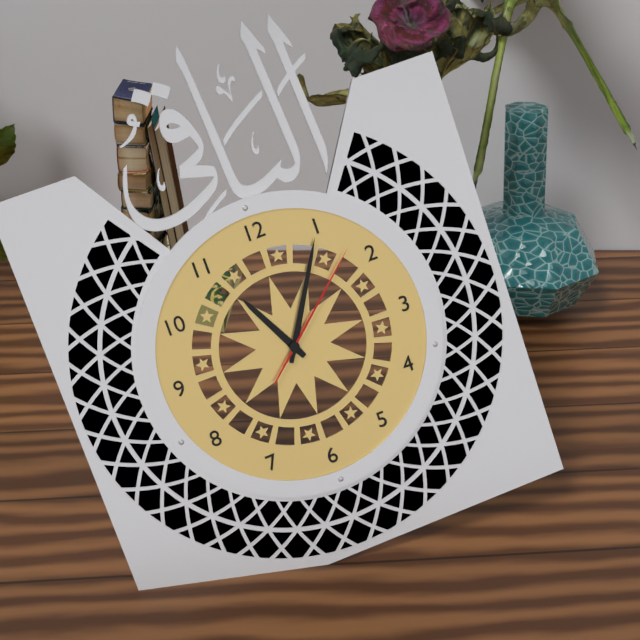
11:05:08
